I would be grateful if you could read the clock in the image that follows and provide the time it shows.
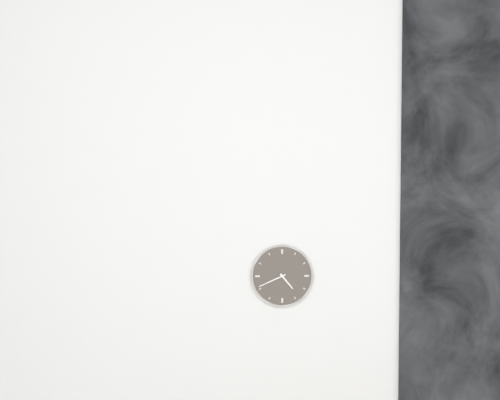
4:41
